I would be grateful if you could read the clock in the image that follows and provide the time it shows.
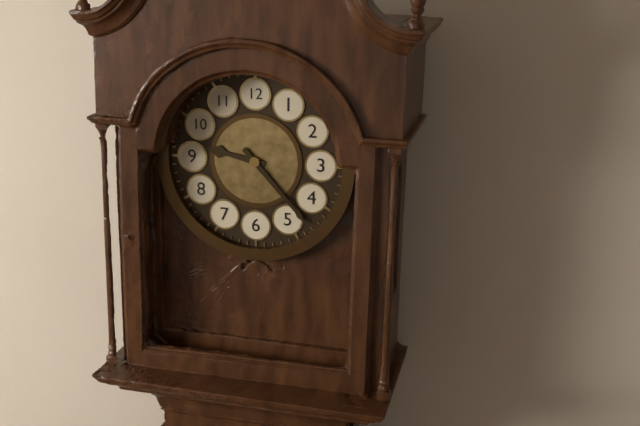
9:23
